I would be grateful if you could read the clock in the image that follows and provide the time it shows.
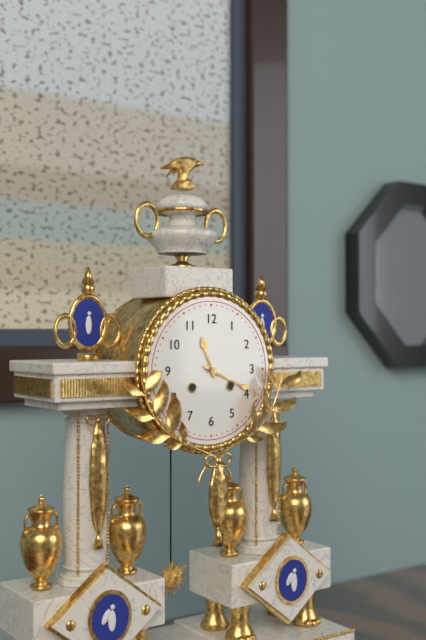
11:19
